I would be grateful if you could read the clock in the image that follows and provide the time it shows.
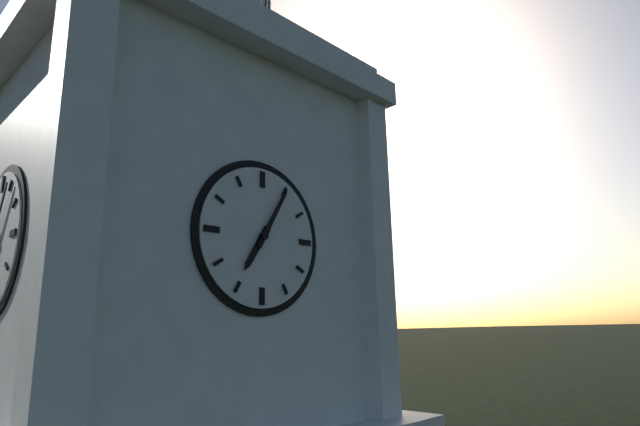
7:05
